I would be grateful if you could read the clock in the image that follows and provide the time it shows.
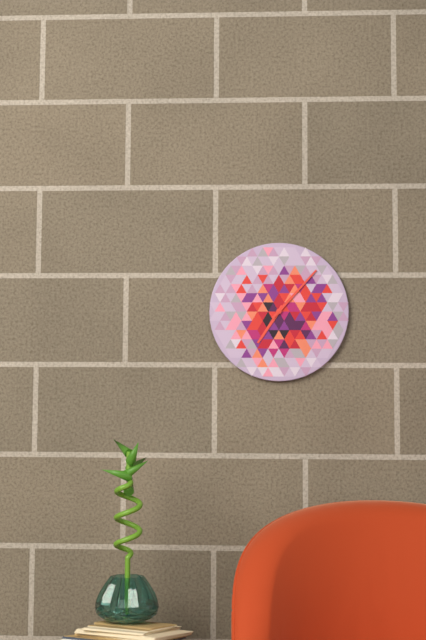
7:07
